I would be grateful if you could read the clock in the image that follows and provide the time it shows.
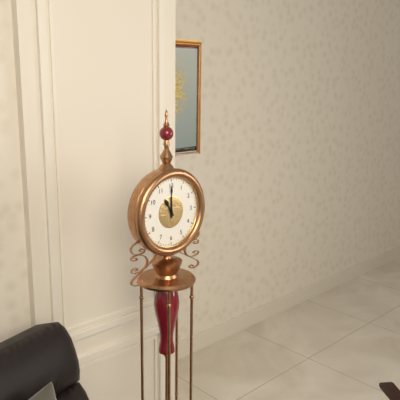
11:00
